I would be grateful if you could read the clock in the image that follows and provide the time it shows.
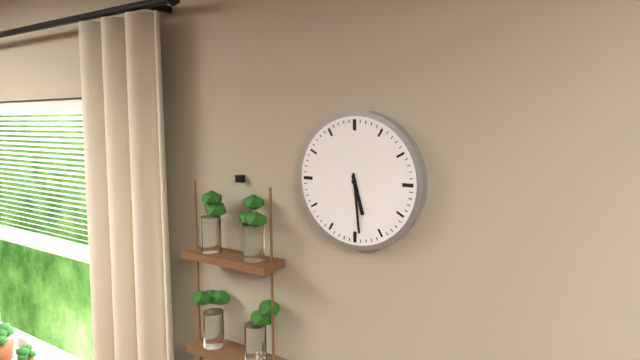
5:29
